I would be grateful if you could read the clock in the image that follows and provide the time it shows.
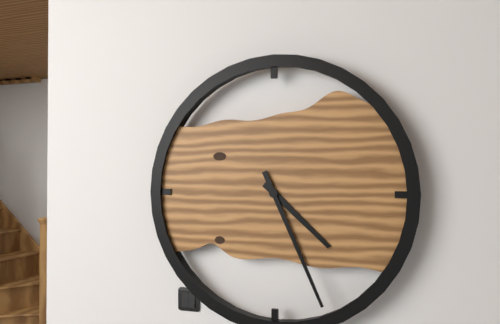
4:26
